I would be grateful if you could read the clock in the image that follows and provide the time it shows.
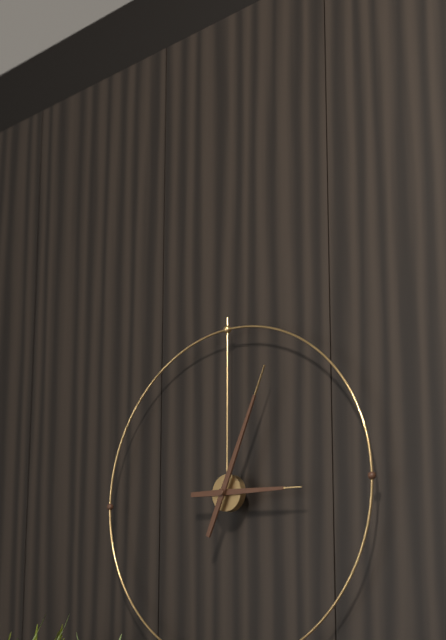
3:04
